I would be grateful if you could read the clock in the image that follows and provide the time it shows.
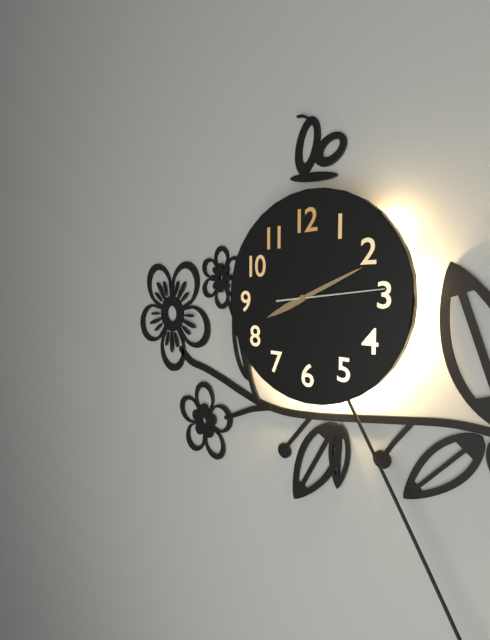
8:11:14
